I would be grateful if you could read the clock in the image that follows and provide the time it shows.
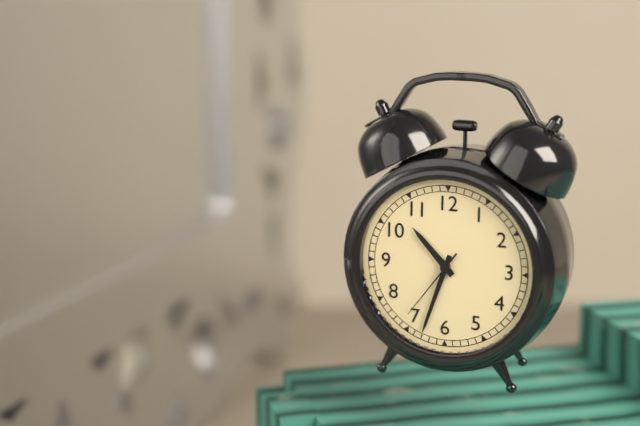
10:33:36
